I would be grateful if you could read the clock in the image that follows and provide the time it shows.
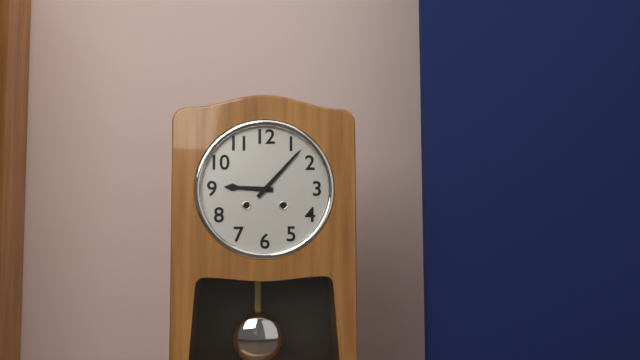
9:07
